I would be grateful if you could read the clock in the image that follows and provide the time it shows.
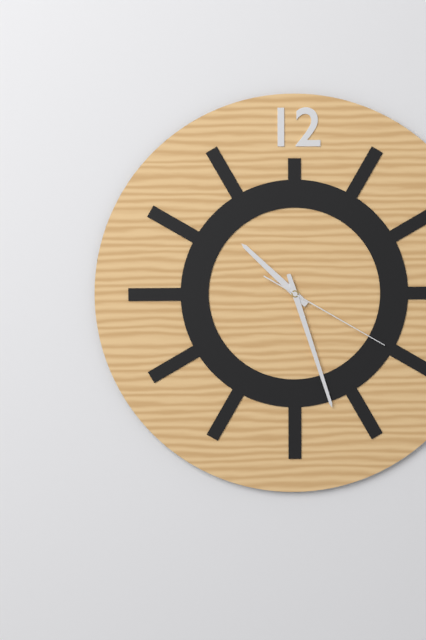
10:27:20
